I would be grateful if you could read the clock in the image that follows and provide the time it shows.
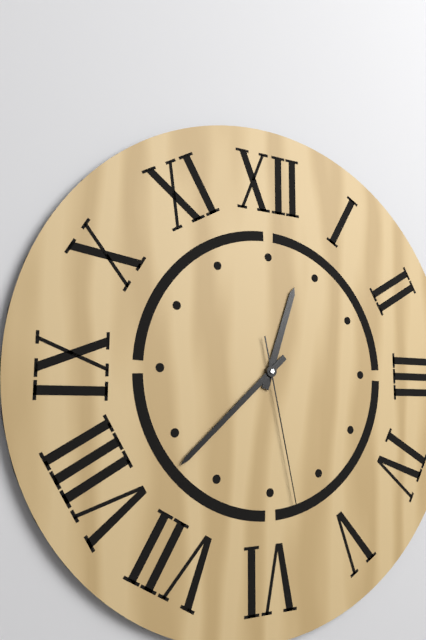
12:38:28
